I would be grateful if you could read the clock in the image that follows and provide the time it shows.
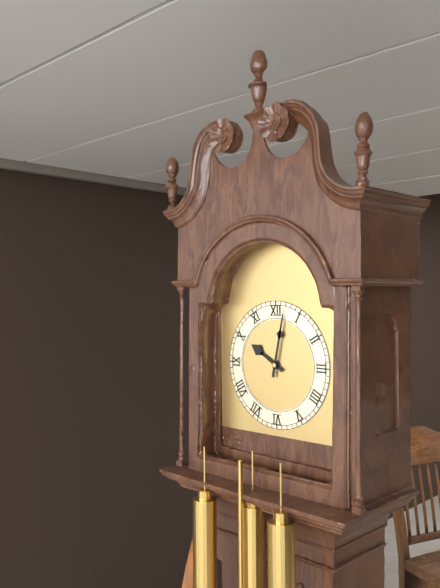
10:02
